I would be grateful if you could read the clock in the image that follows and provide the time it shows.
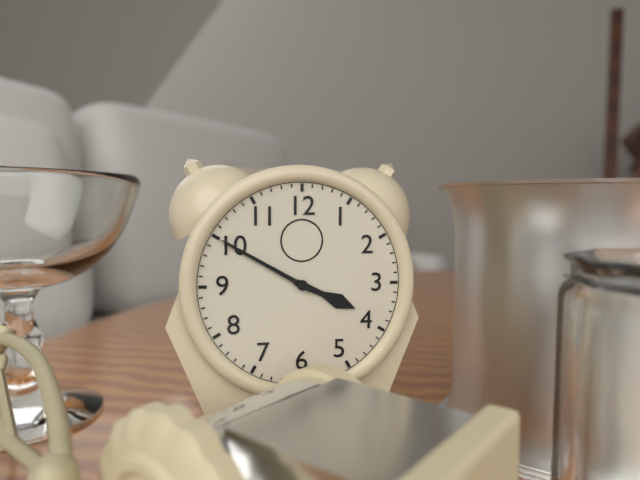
3:50
